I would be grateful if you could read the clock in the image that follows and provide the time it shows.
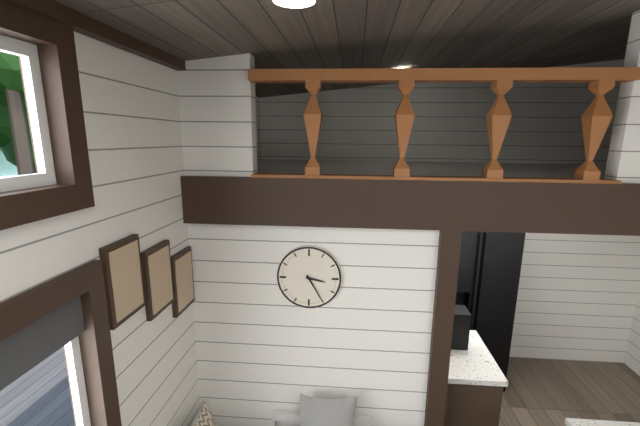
3:25
